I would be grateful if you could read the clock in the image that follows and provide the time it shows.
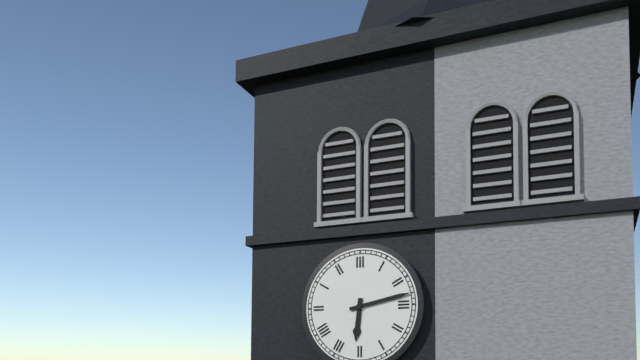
6:13
